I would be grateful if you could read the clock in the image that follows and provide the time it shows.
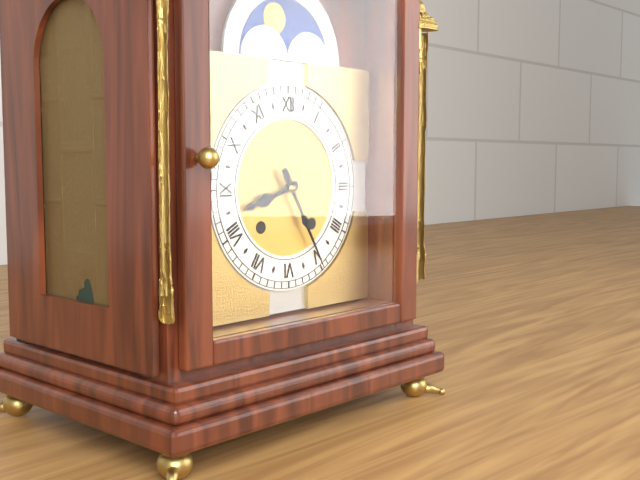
8:25
